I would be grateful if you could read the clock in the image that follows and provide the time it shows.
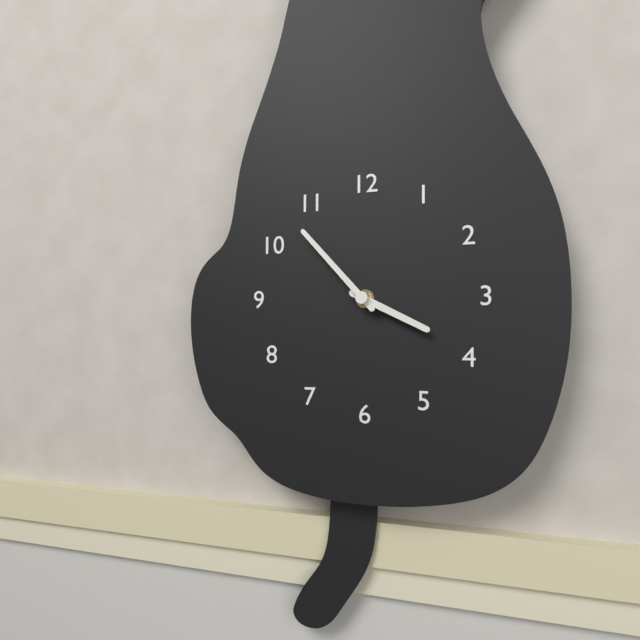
3:53
